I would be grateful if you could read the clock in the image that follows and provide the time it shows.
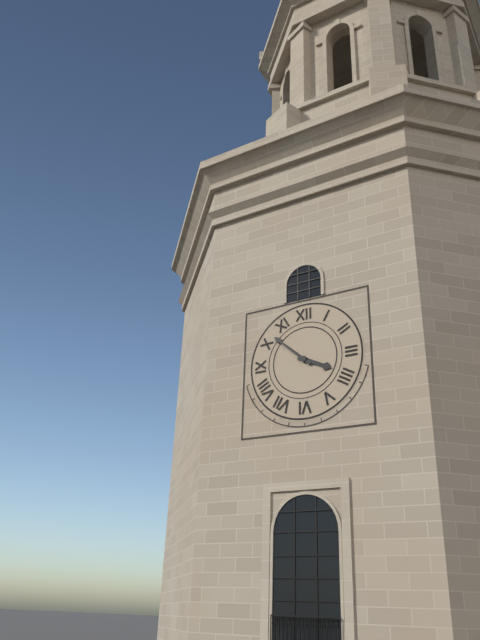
3:52
